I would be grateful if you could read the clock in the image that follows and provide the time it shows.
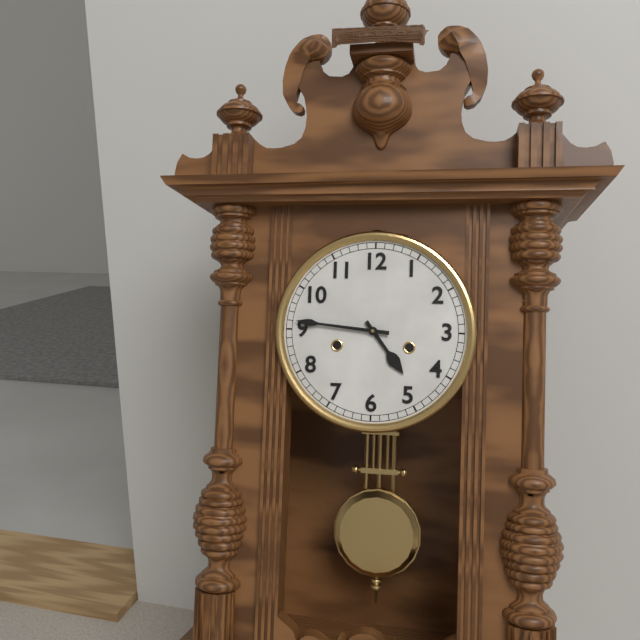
4:46
